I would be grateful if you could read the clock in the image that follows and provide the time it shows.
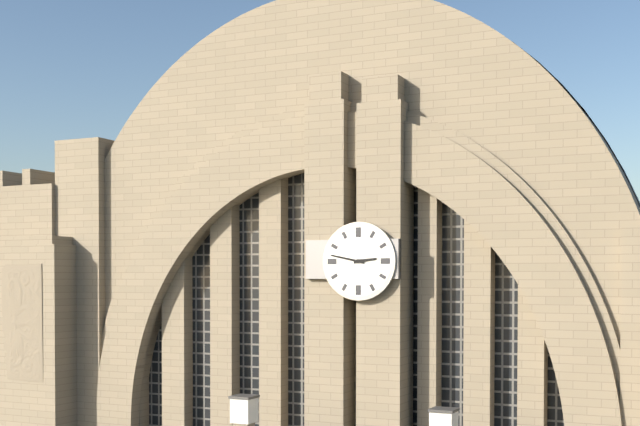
2:47
